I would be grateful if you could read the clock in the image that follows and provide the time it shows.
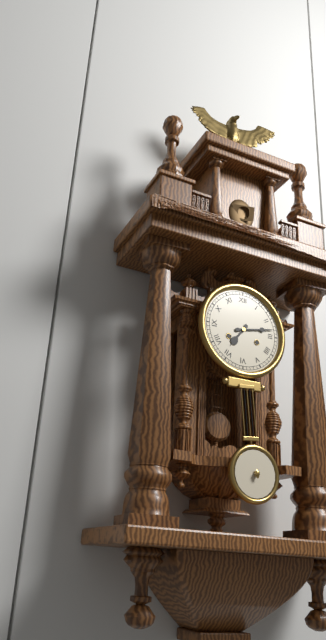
7:13
